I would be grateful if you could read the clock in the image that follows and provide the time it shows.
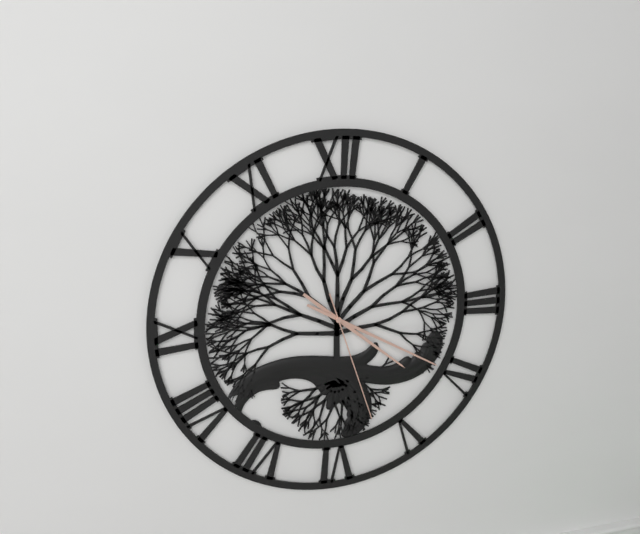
4:20:27
